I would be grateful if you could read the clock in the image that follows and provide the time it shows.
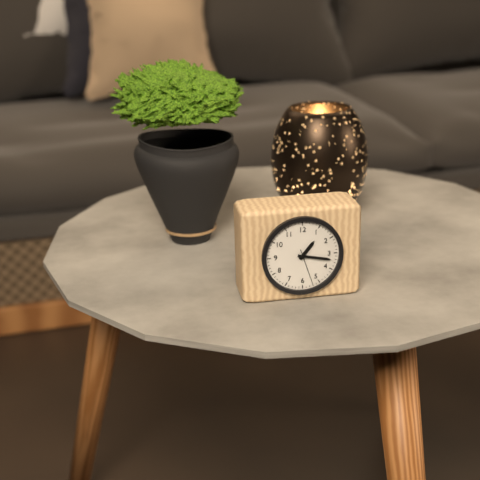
1:17
